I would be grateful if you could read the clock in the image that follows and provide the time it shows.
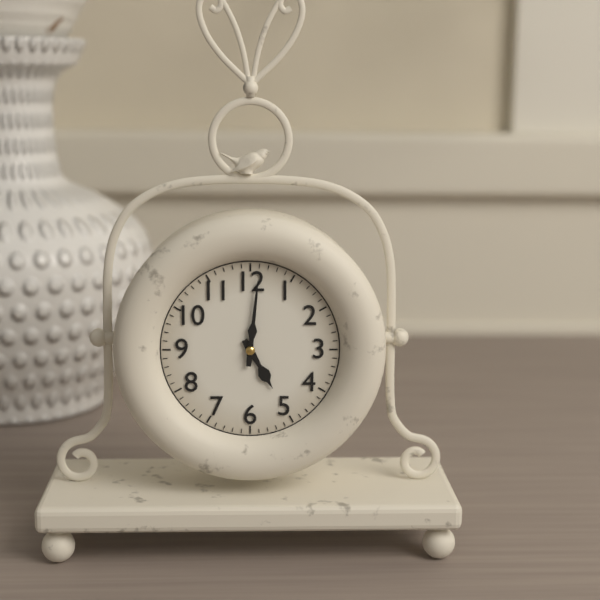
5:01
